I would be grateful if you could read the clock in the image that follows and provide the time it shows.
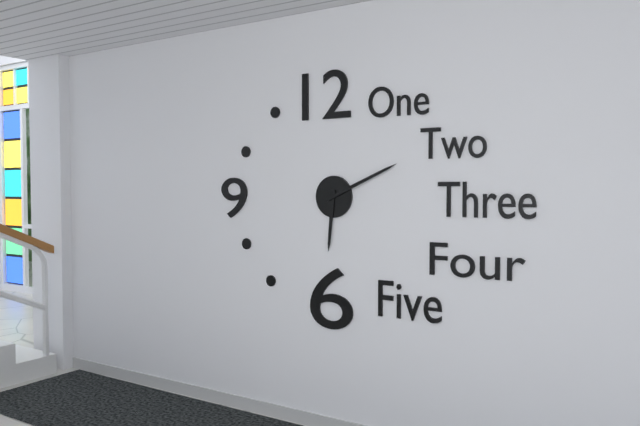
6:11
